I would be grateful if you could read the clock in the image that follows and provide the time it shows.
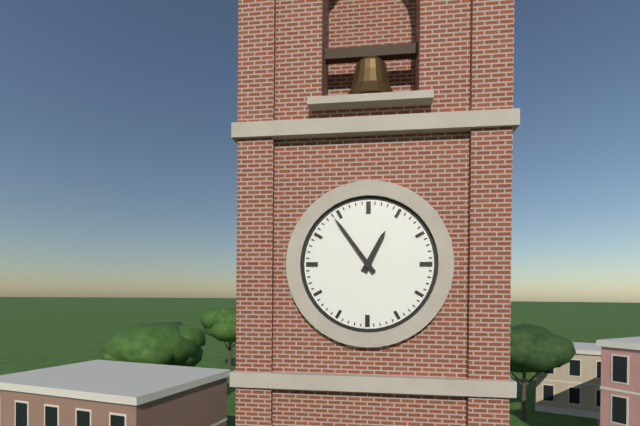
12:54
